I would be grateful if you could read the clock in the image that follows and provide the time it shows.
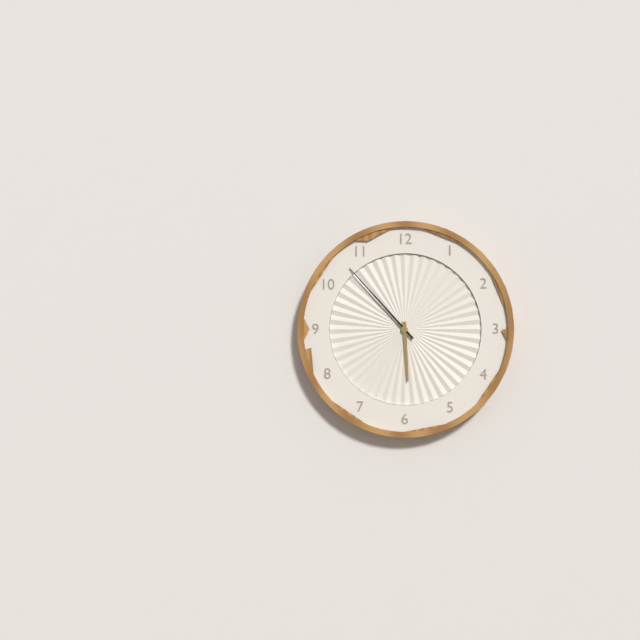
5:53
